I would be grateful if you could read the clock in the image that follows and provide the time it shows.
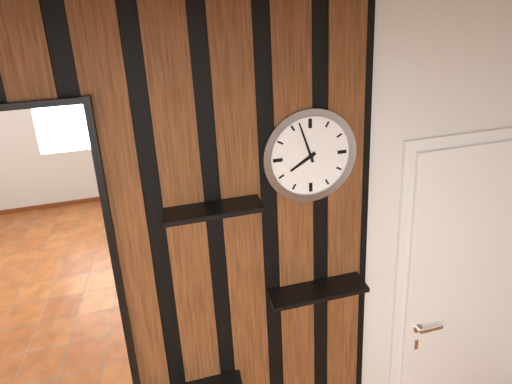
7:57
